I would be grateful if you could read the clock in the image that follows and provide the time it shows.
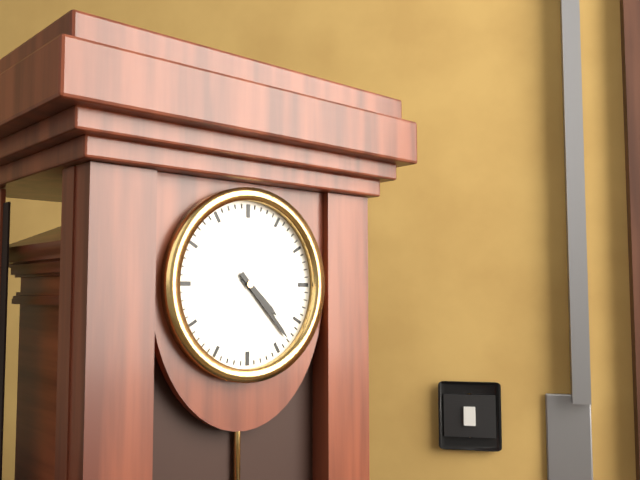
4:23
